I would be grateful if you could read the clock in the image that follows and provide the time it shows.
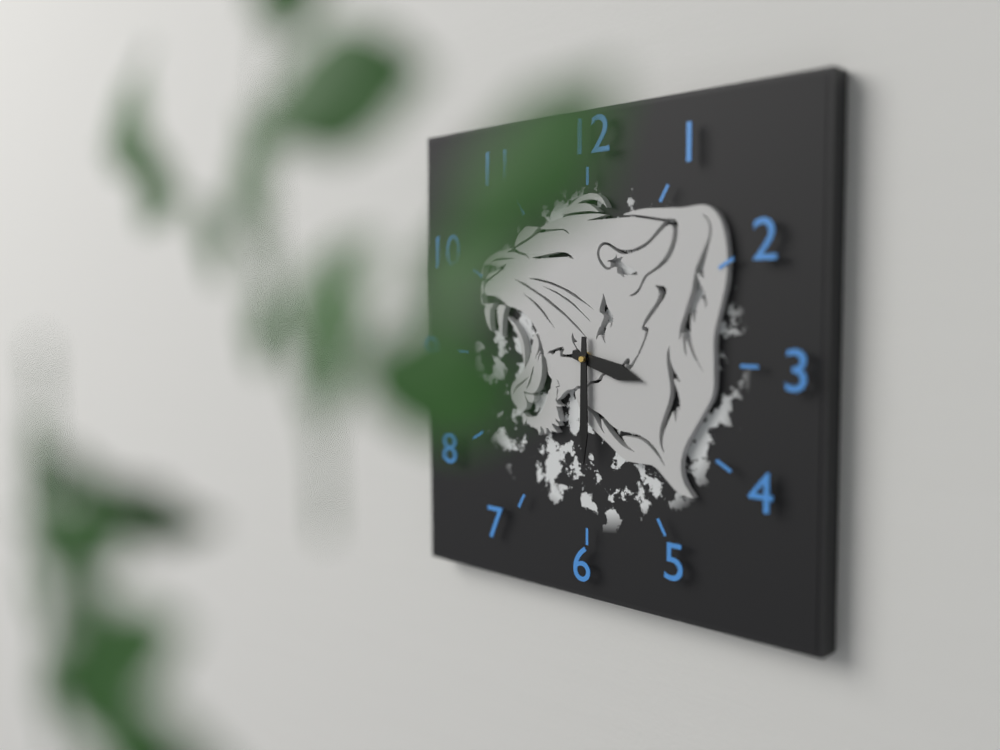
3:30
